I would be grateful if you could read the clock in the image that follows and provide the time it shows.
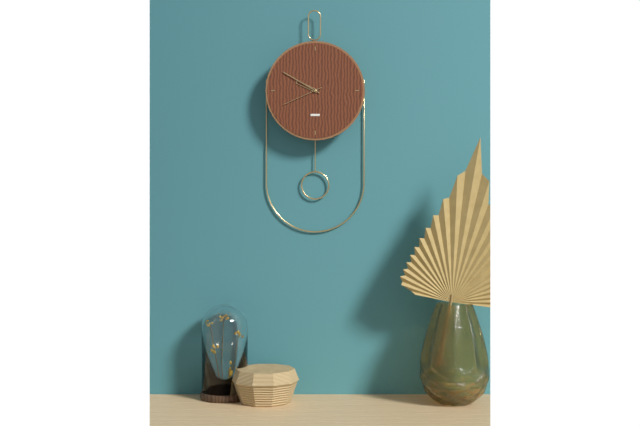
9:50
